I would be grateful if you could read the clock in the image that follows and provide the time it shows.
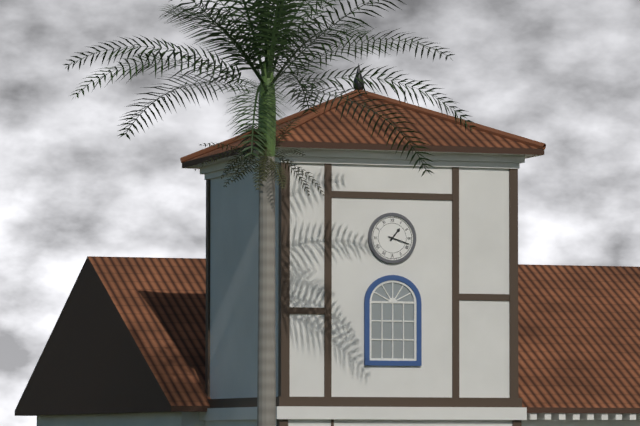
1:18
